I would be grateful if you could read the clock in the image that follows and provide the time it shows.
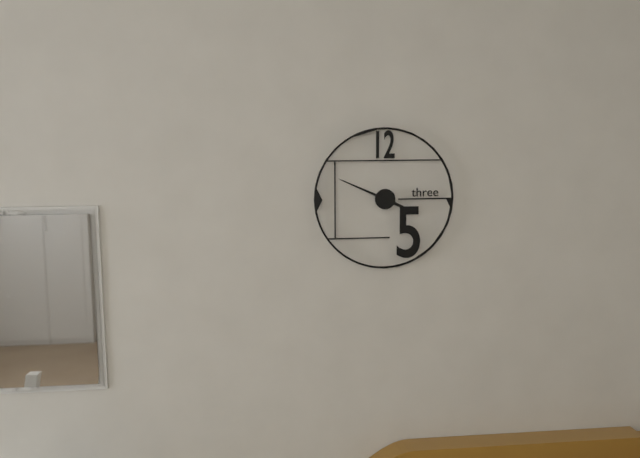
3:49
